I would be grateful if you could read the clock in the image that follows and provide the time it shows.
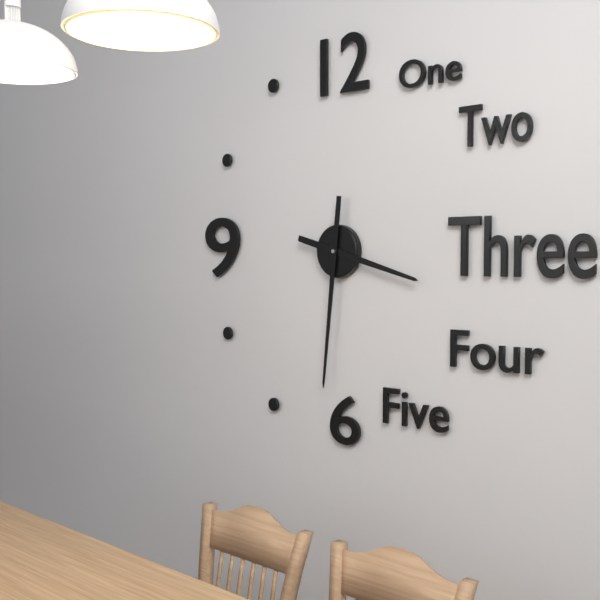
3:31
